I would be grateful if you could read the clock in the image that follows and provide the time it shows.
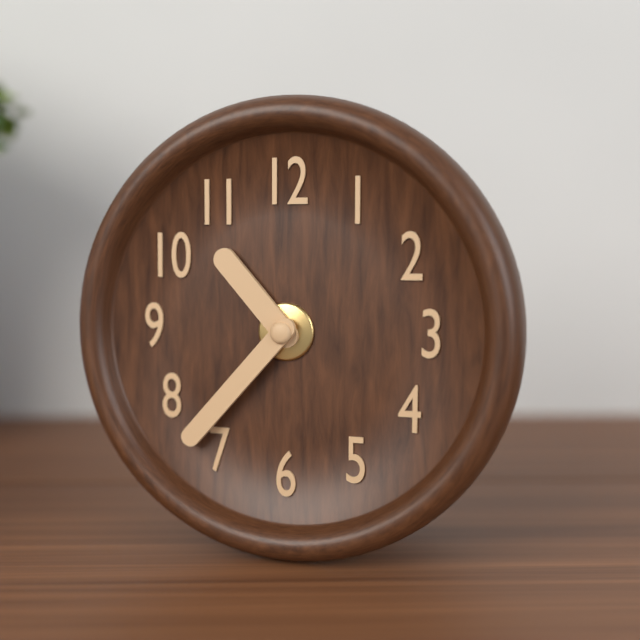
10:37
